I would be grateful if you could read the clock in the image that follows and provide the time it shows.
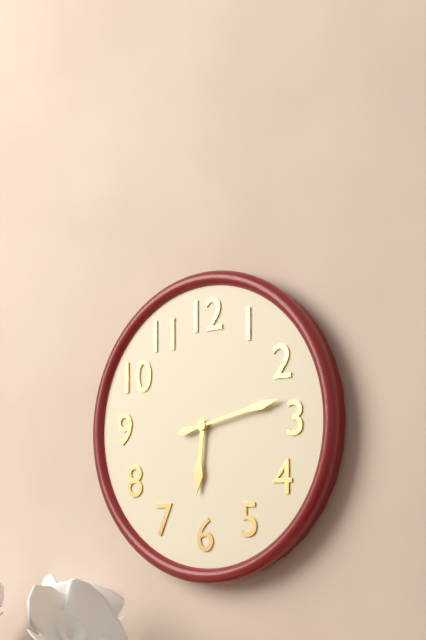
6:13
